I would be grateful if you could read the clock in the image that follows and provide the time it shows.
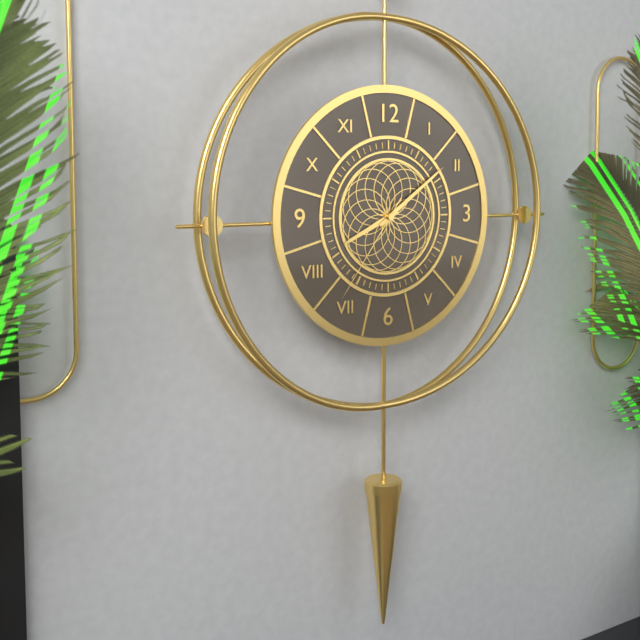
8:09:36
